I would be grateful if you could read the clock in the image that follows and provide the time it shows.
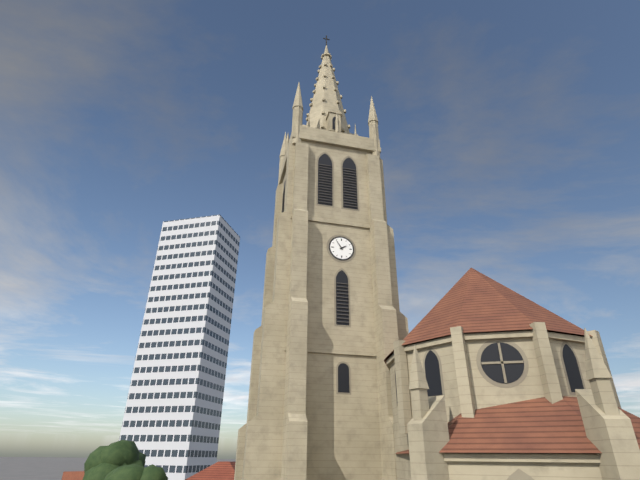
1:54
